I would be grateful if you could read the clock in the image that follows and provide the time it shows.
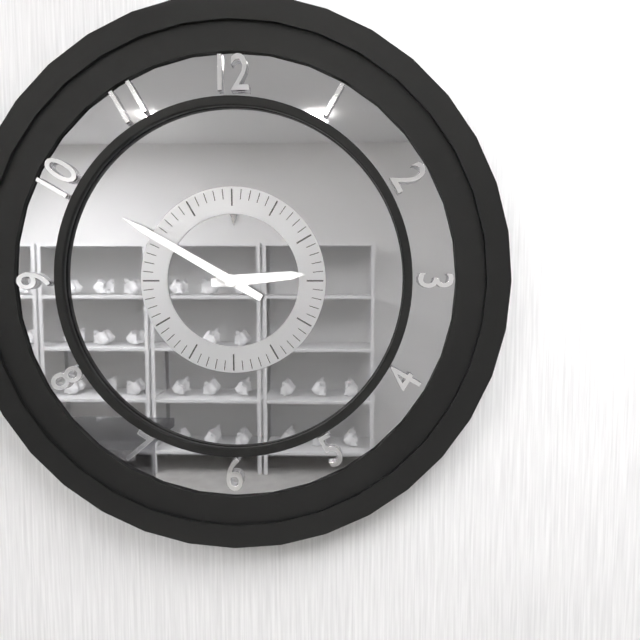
2:50
